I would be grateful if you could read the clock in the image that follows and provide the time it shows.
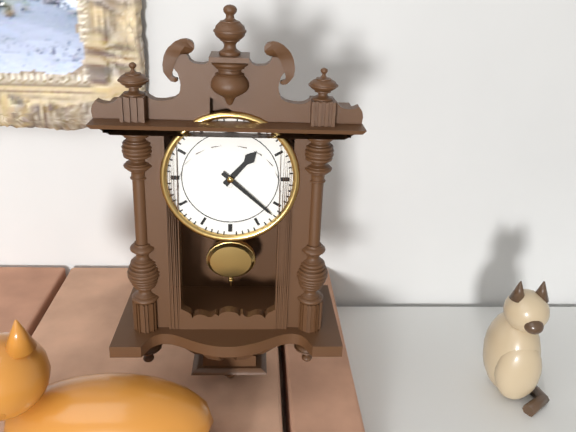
1:22
